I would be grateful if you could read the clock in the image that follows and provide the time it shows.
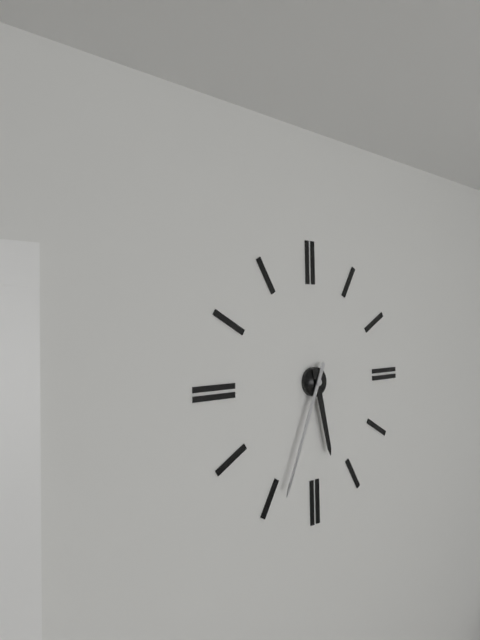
5:34
